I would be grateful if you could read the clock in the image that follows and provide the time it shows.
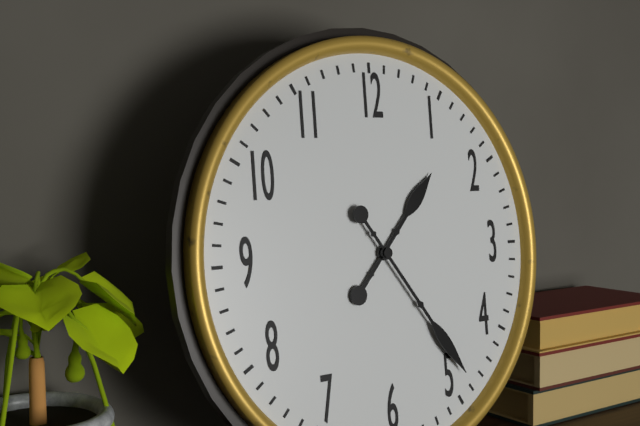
1:24
